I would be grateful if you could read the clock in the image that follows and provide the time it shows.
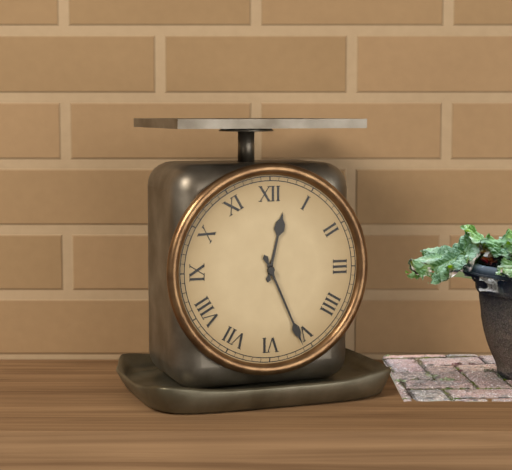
12:26
